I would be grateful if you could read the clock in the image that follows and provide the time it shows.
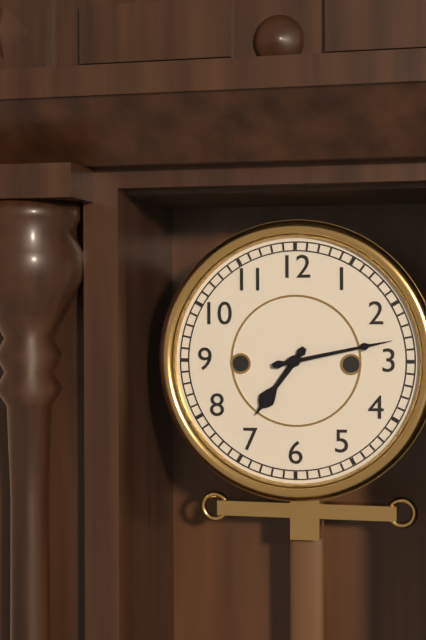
7:13
